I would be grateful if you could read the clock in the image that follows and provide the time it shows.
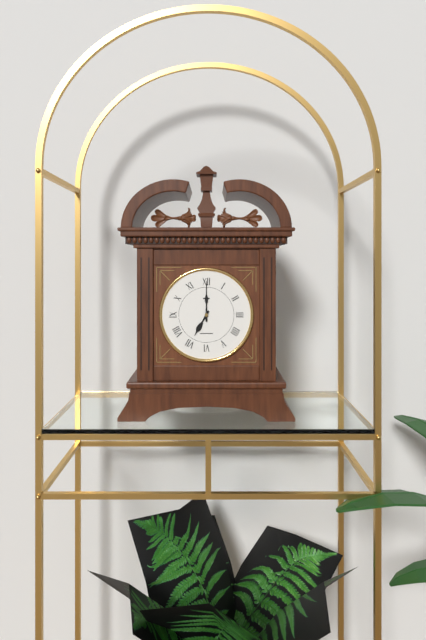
7:00
